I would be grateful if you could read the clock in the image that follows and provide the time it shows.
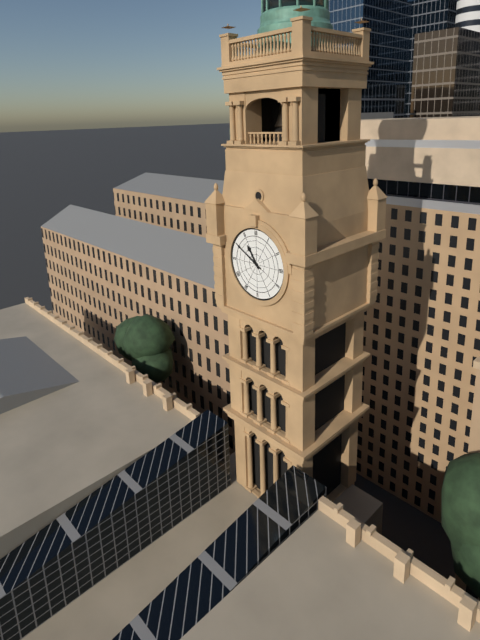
10:50
